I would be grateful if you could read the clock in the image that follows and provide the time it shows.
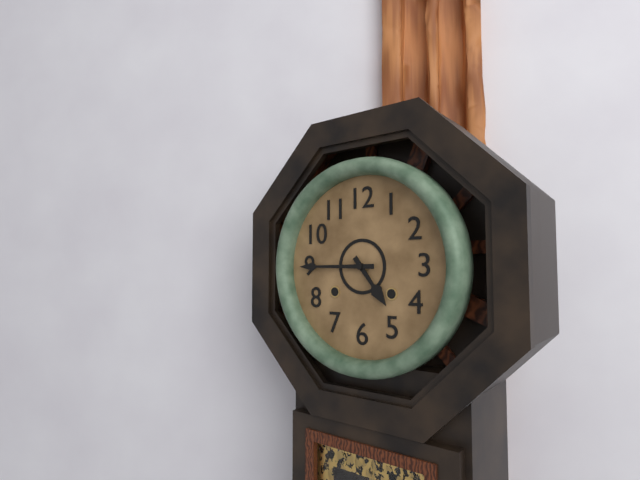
4:45
